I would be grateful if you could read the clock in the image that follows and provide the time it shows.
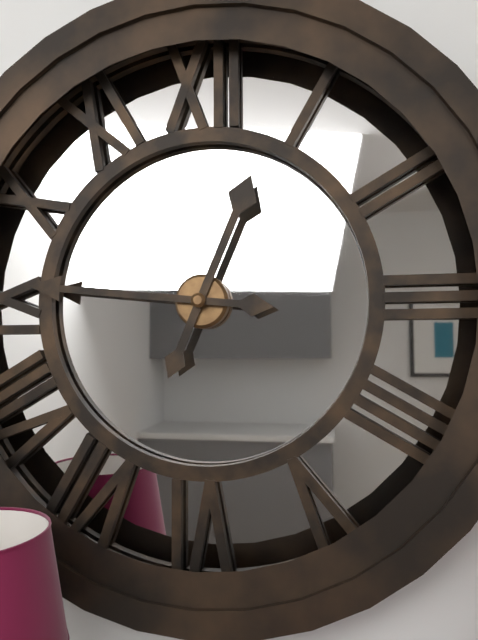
12:46
